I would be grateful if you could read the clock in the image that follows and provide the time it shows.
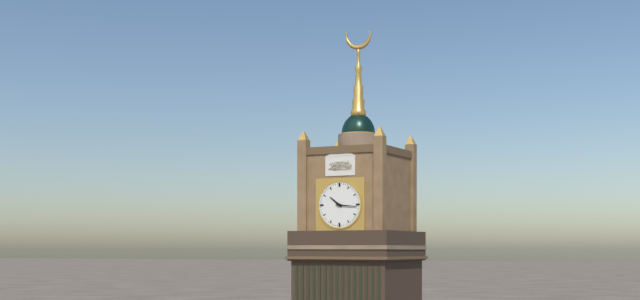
10:16
